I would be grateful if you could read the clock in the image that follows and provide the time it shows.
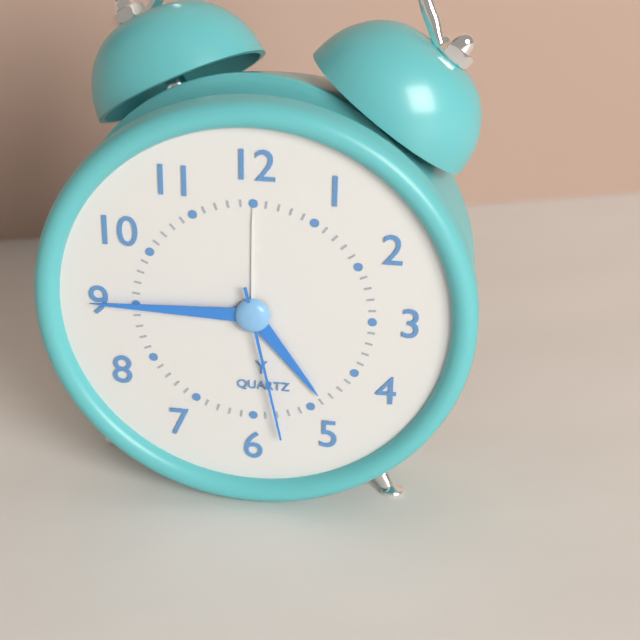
4:45:28
